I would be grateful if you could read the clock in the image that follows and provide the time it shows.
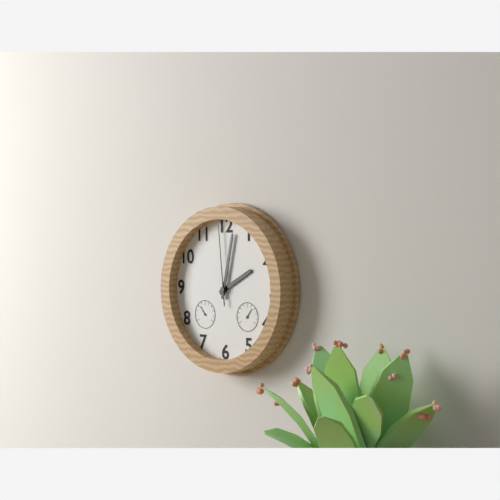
2:02:59
